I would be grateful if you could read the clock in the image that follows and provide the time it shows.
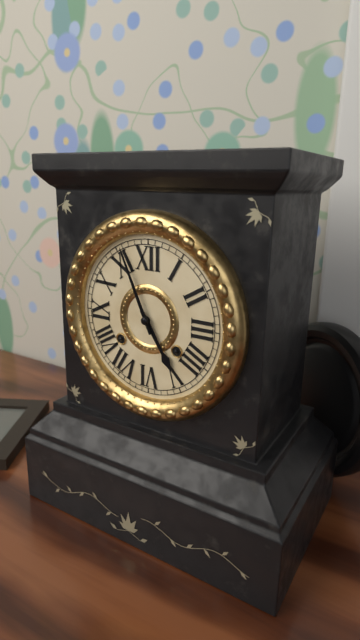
4:56
